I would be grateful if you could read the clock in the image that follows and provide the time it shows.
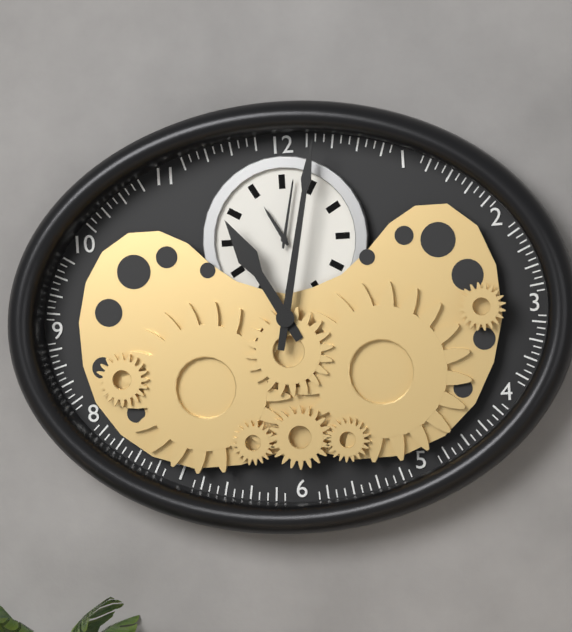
11:02
